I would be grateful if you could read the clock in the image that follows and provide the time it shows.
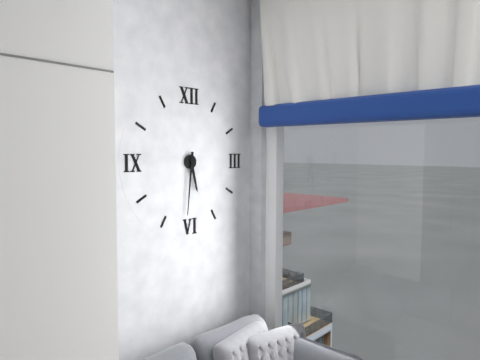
5:31
